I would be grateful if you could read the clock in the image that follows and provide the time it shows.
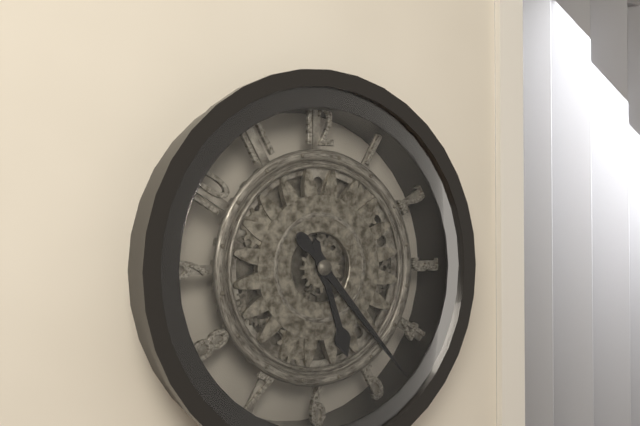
5:23
